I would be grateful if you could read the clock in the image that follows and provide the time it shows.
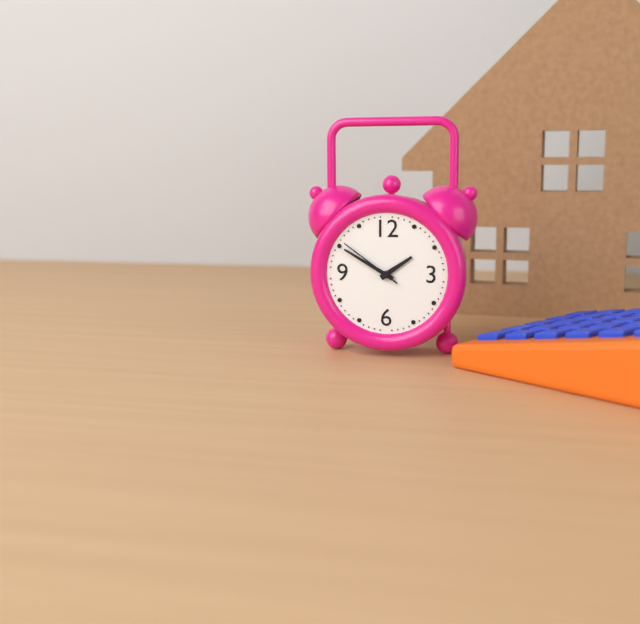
1:50:51
